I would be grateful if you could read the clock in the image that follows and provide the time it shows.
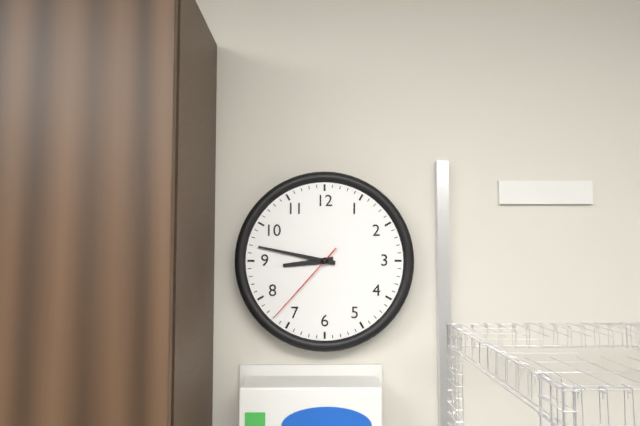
8:47:37
